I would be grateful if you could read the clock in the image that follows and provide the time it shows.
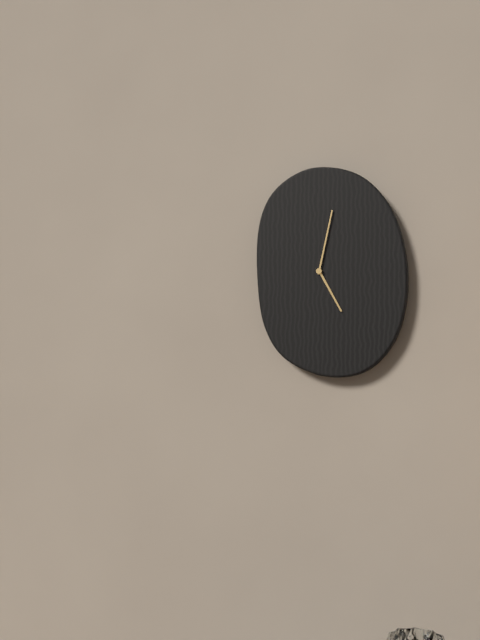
5:02
